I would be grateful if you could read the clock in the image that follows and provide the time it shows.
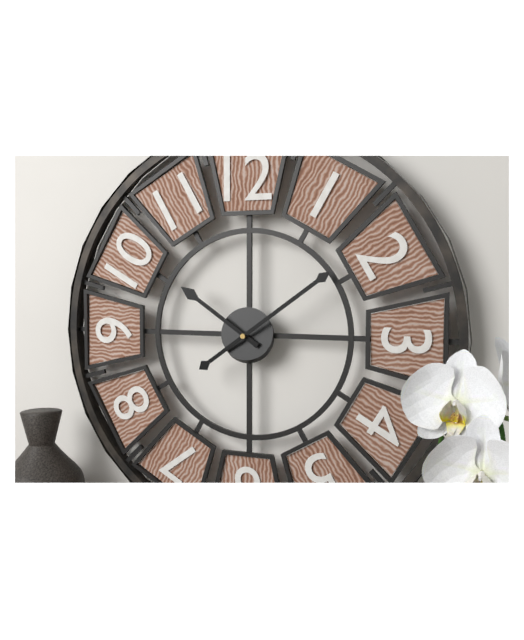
10:09
